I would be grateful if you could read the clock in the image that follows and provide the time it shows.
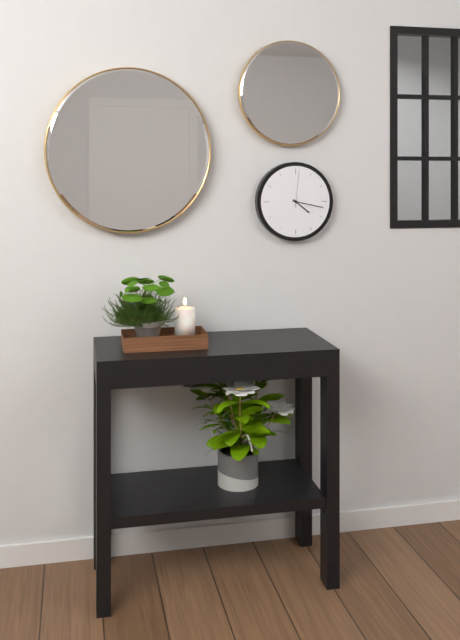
4:17
